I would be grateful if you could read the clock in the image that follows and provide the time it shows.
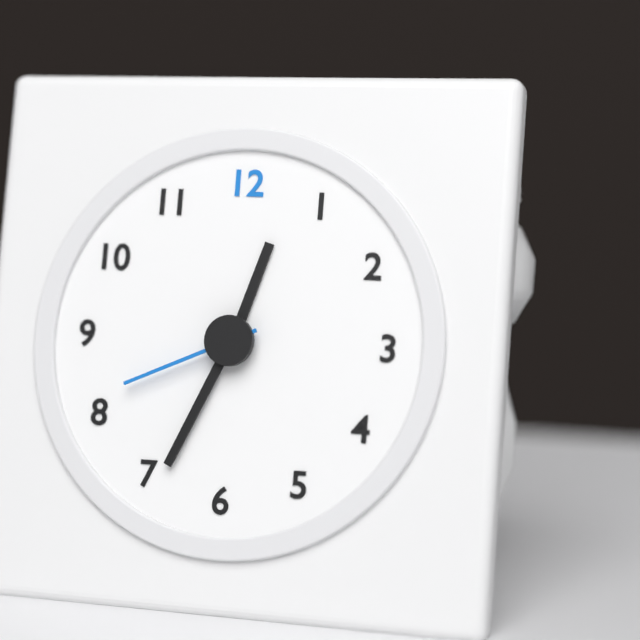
12:34:41
